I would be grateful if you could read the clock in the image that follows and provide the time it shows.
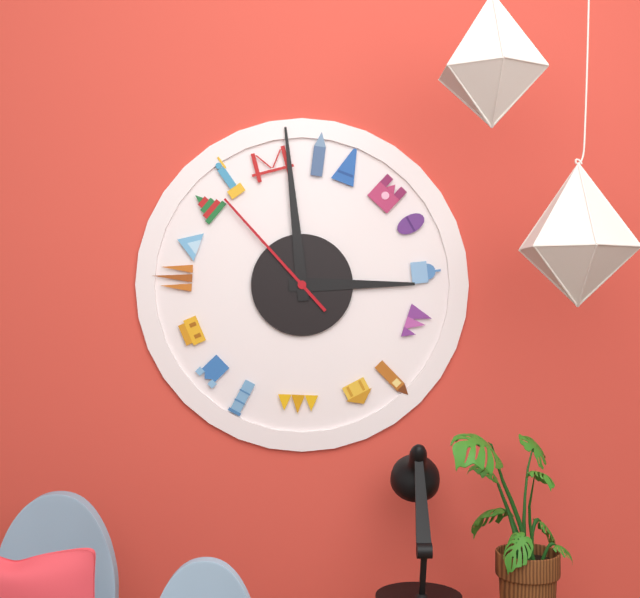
2:59:53
